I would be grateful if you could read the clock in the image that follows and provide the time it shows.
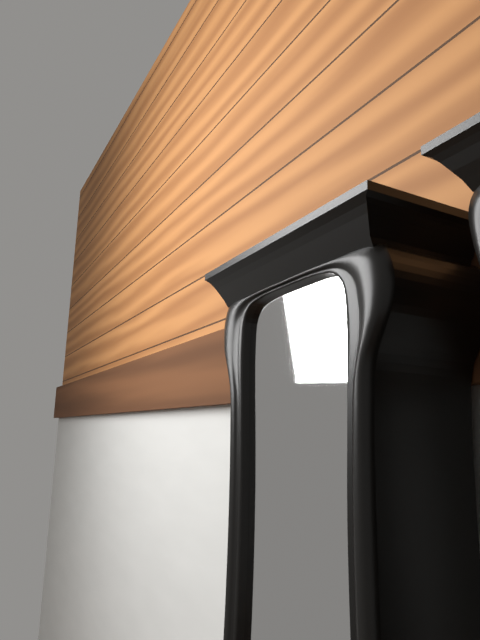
3:13
